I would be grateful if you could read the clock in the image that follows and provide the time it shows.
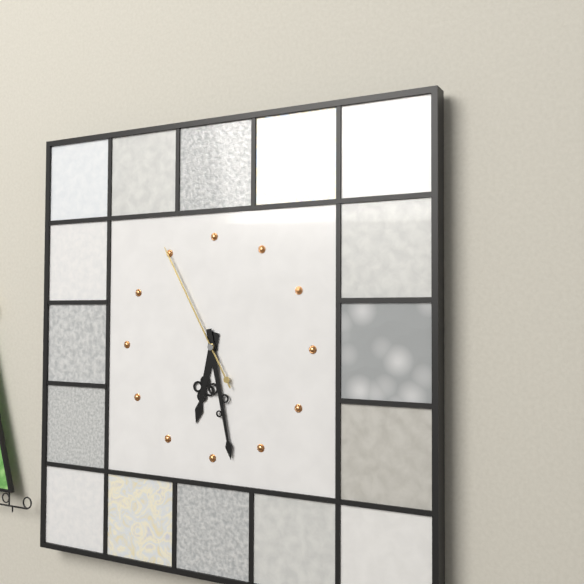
6:28:55
